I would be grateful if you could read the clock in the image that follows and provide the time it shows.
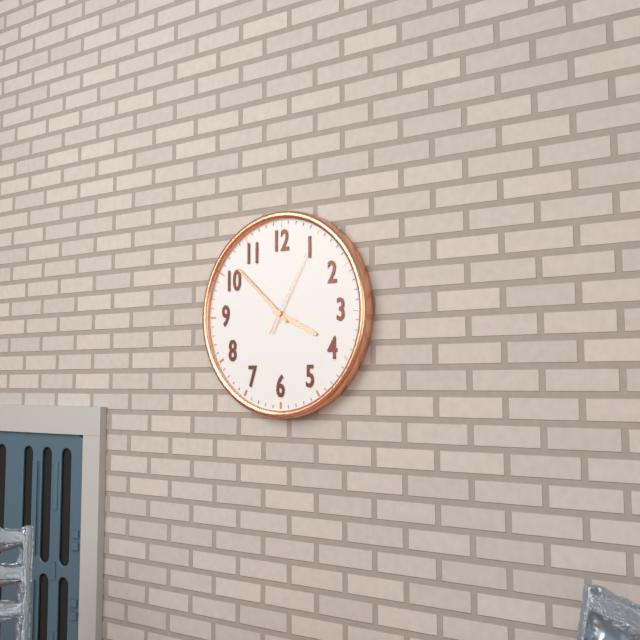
3:52:05
